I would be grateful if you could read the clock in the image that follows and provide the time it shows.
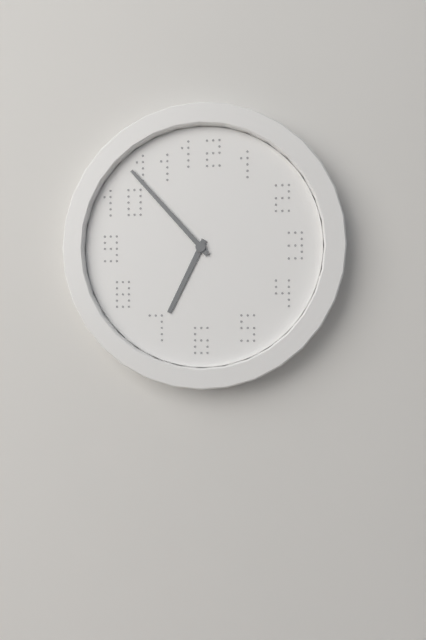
6:53
